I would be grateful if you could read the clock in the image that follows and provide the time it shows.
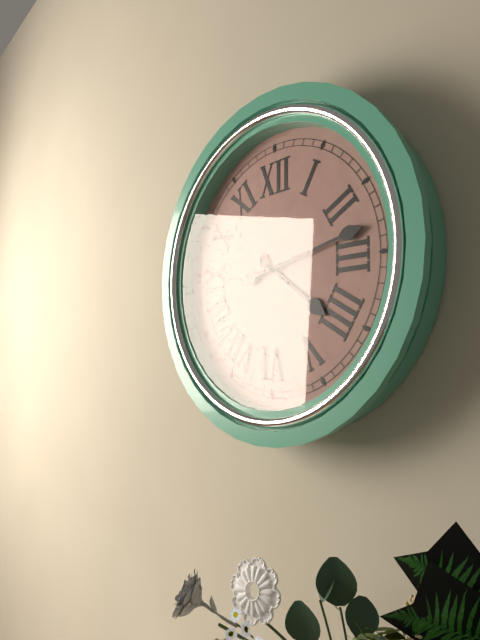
4:13
